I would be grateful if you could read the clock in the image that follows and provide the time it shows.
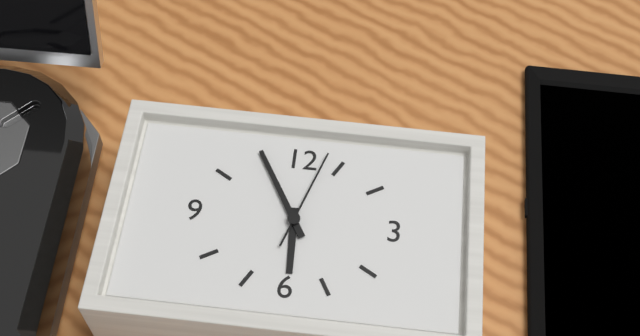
5:55:03
